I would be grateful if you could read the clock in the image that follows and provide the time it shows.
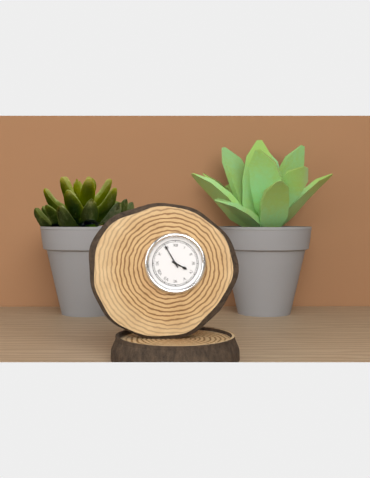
3:55
